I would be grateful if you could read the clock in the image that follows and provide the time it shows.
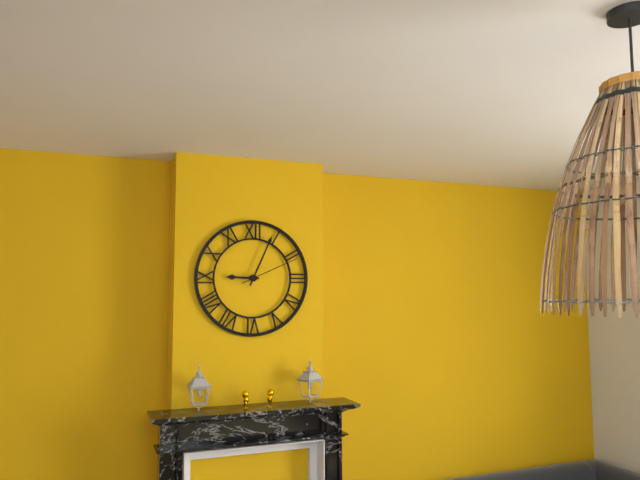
9:04:11
